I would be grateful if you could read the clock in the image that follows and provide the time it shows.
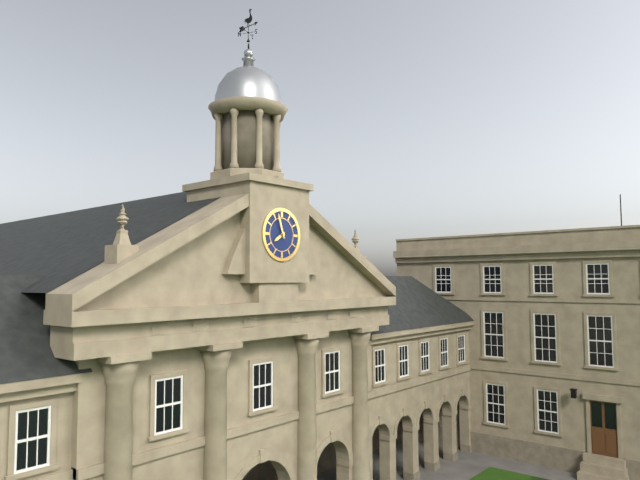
7:57
